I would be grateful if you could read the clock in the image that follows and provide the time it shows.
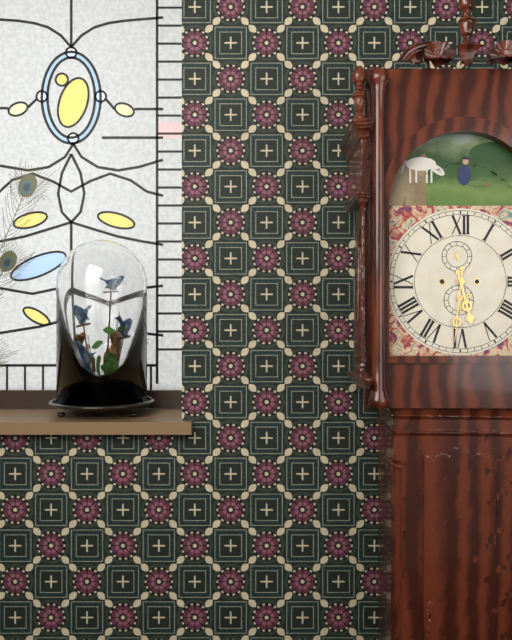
5:31
